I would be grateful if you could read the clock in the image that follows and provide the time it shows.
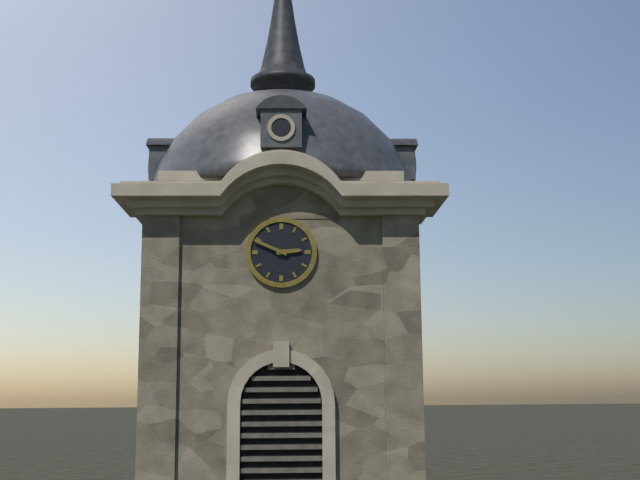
2:49
